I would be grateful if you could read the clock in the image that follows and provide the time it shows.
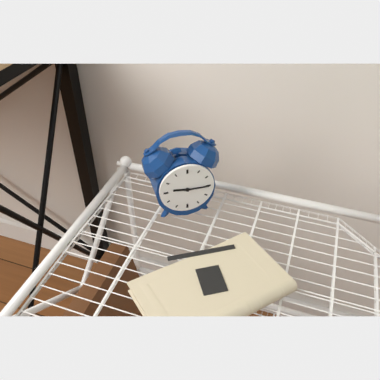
9:15
